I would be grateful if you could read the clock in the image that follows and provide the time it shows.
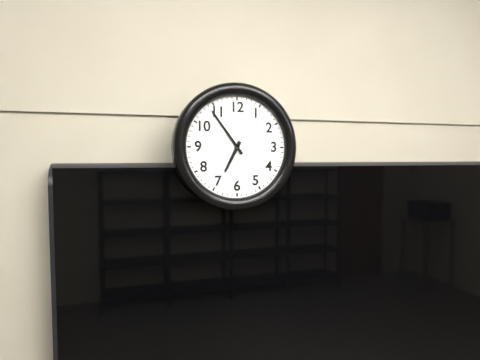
6:54
